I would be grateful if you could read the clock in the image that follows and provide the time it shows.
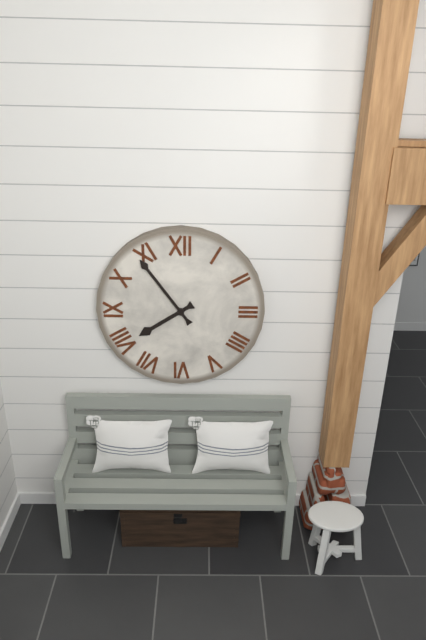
7:54
